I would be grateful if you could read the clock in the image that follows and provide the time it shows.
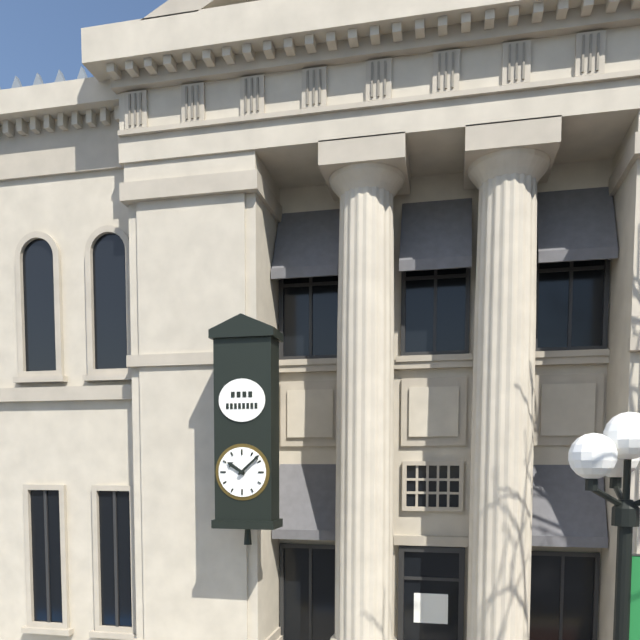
10:08
